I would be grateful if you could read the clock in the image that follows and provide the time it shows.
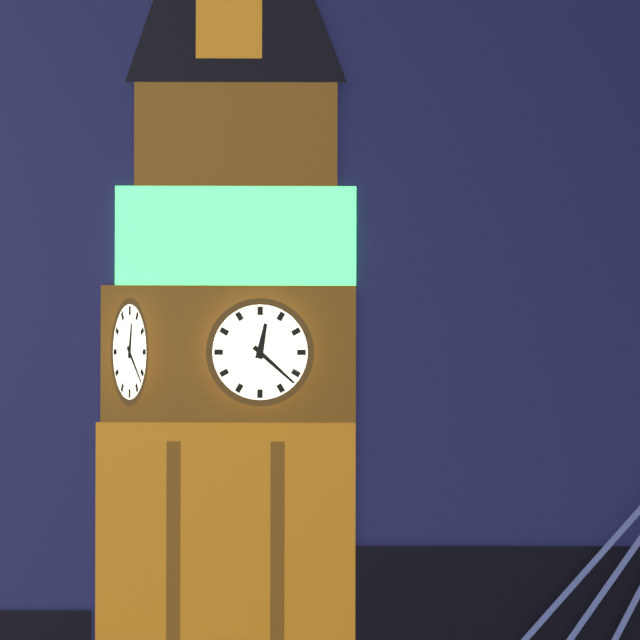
12:22
